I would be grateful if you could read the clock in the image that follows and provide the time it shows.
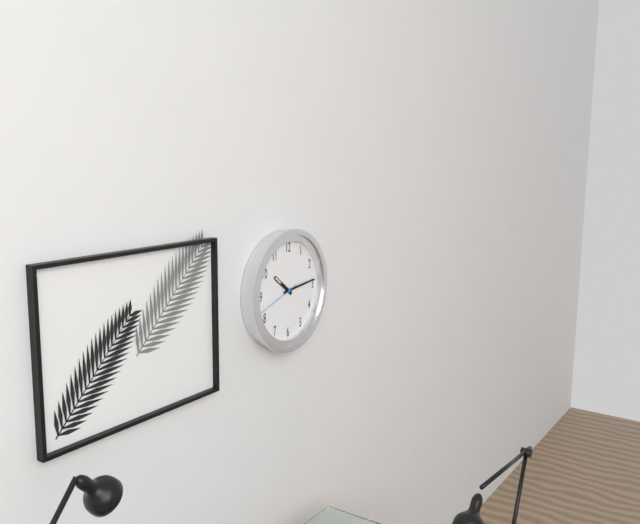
10:14
